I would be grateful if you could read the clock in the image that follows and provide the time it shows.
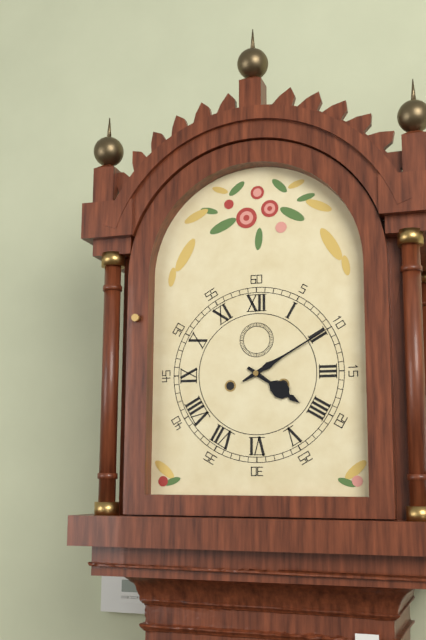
4:10
